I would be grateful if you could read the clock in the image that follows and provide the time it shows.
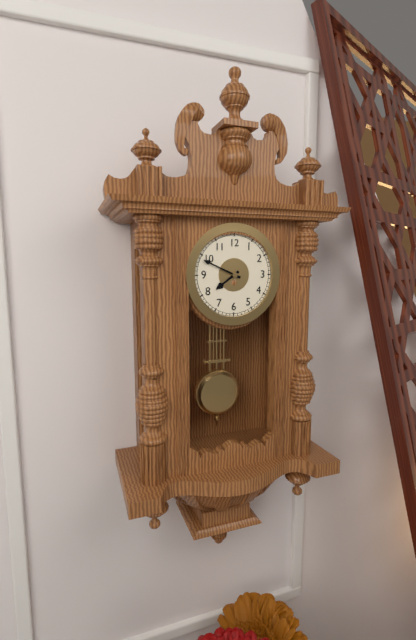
7:49
